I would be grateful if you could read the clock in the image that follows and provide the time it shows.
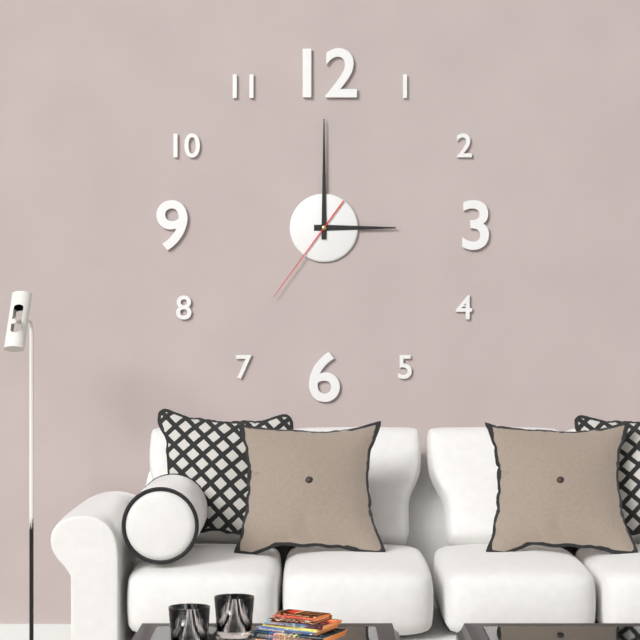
3:00:36
